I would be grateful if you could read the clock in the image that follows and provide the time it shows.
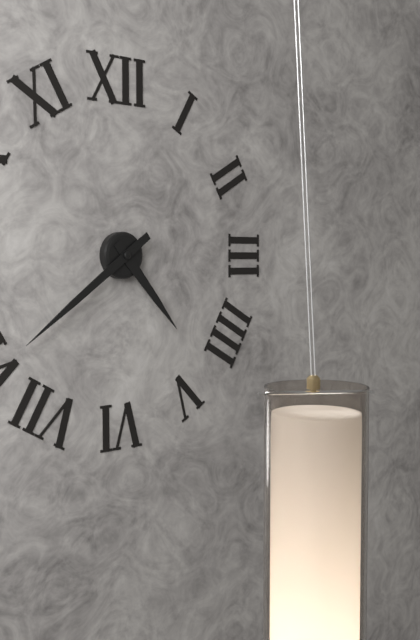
4:39
